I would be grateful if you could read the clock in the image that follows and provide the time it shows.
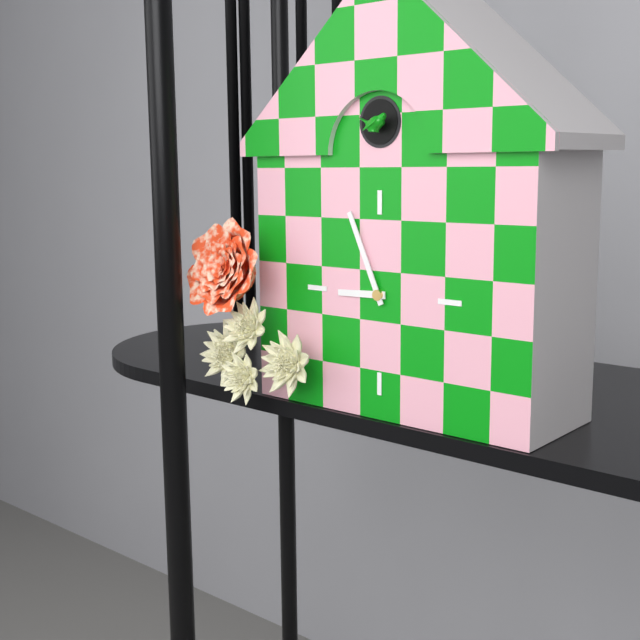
8:56
